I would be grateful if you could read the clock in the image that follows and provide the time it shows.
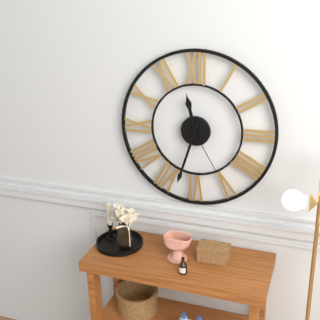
11:33:25
